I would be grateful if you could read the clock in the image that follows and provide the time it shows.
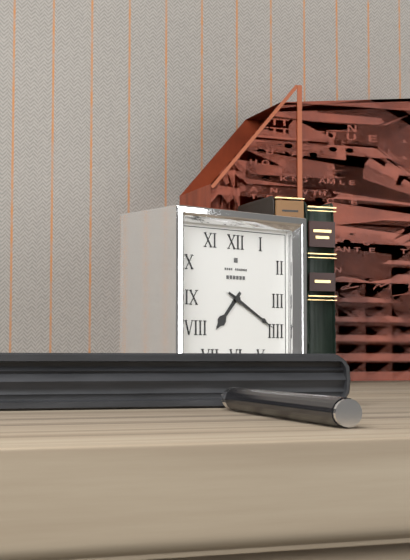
7:20
